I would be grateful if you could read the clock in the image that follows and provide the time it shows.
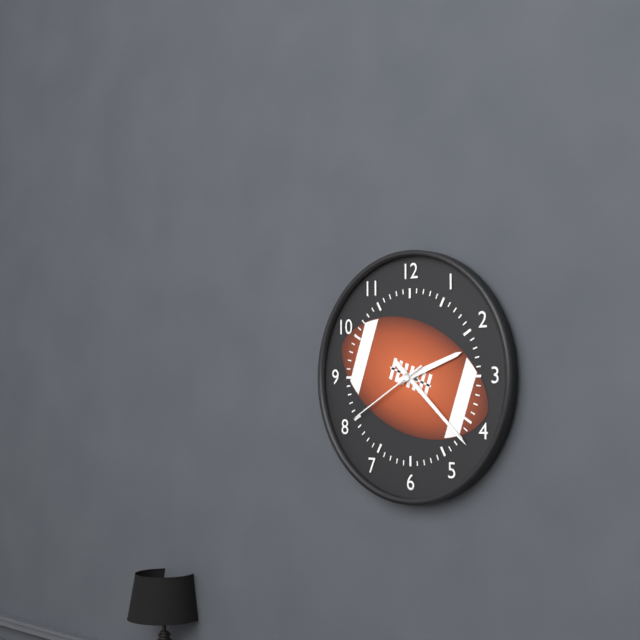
2:22:40
